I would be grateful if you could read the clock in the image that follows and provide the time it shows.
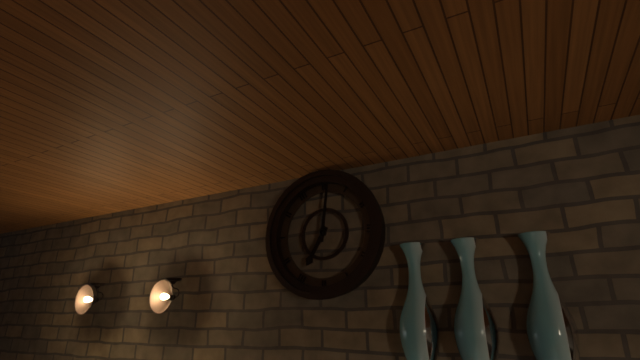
7:01
